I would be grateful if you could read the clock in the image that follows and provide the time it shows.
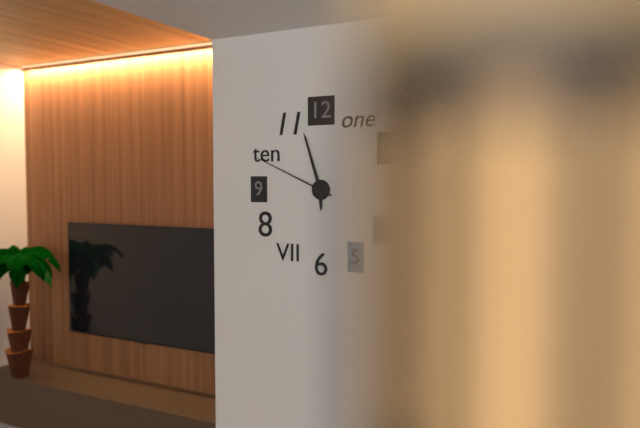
5:57:49
